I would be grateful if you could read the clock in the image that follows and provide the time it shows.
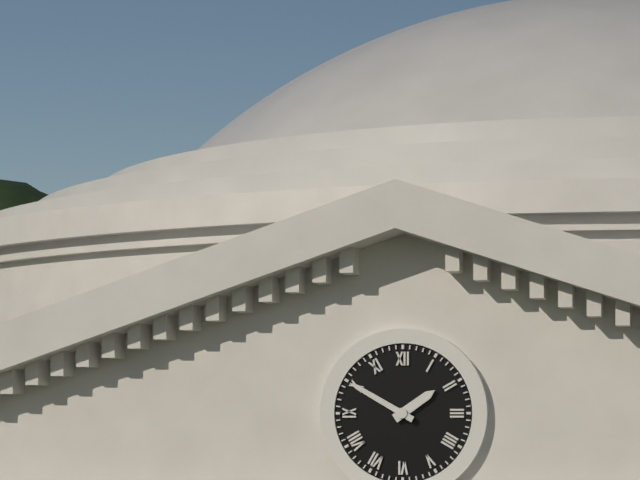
1:50
